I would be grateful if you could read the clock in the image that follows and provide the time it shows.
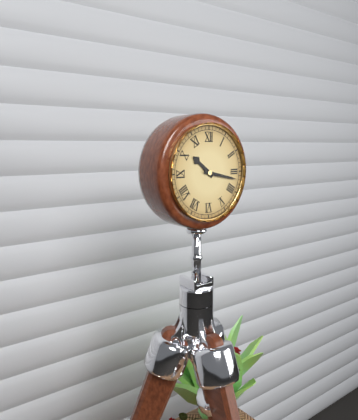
10:17
